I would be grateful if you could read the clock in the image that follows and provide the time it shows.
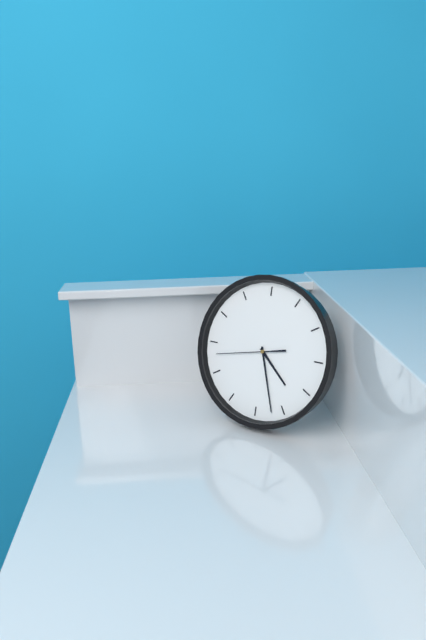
4:27:43
